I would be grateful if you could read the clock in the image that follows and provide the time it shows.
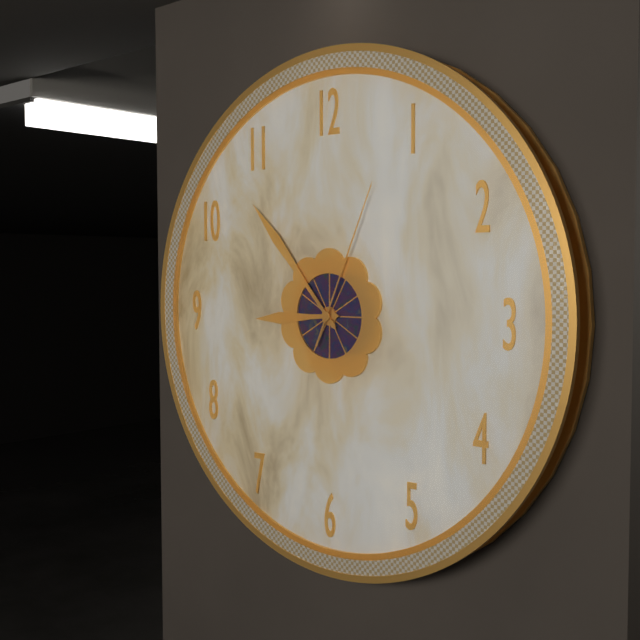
8:53:04
